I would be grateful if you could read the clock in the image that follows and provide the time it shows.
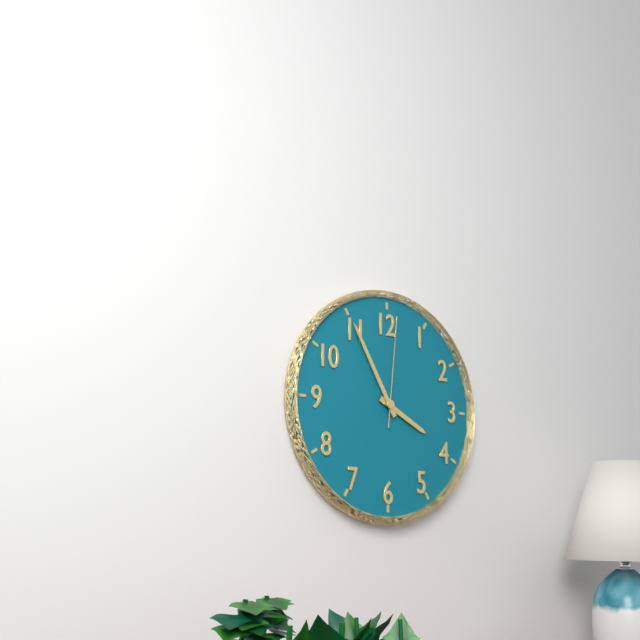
3:55:01
